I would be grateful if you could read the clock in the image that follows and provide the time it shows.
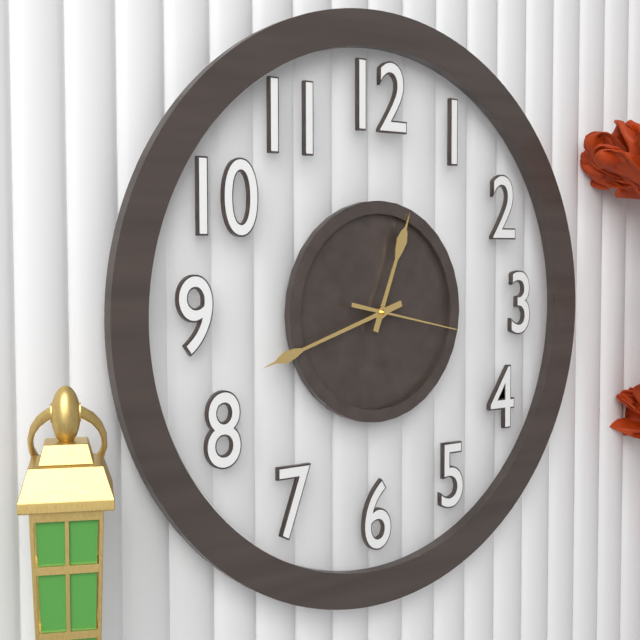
12:42:17
